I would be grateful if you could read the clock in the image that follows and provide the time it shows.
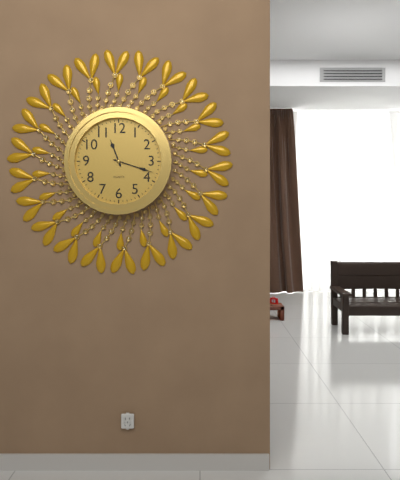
11:18
